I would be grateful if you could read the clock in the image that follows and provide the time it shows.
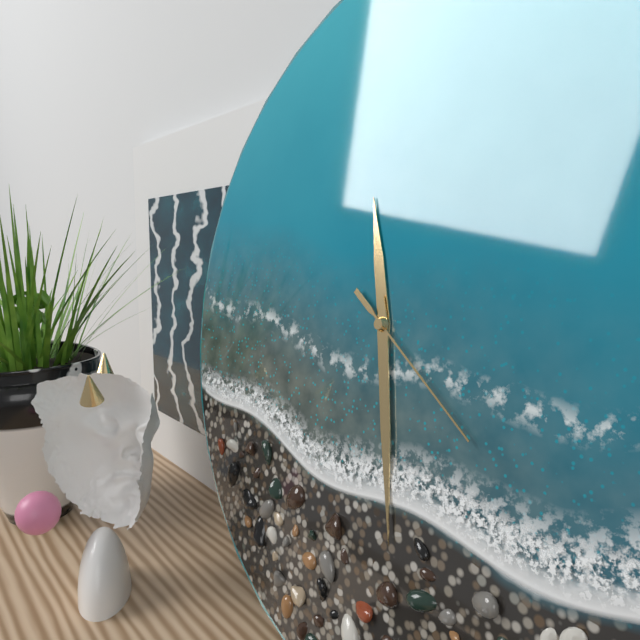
11:28:21
